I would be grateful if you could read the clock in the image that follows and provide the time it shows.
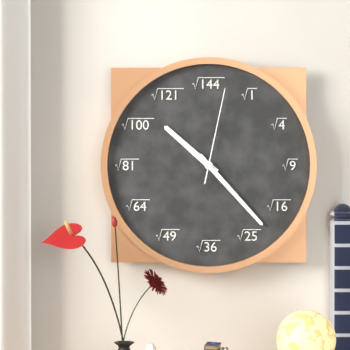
10:23:02
